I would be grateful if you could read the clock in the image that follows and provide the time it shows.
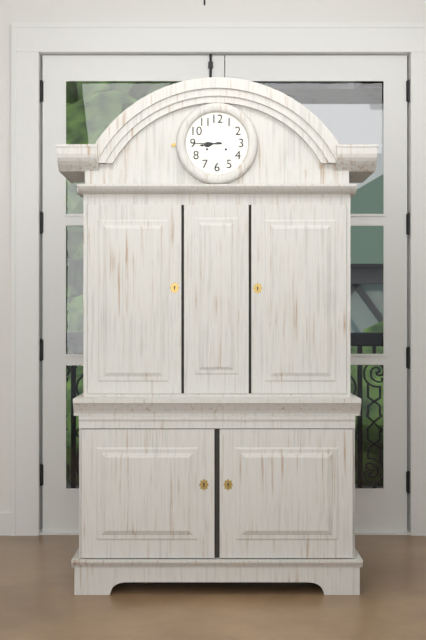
8:45
